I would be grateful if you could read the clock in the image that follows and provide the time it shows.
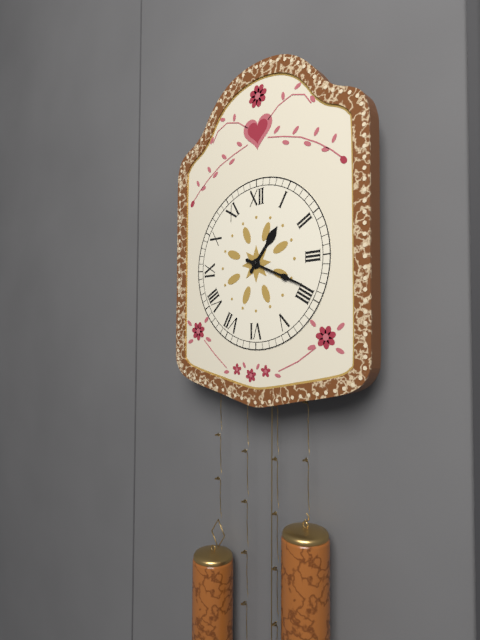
1:19
